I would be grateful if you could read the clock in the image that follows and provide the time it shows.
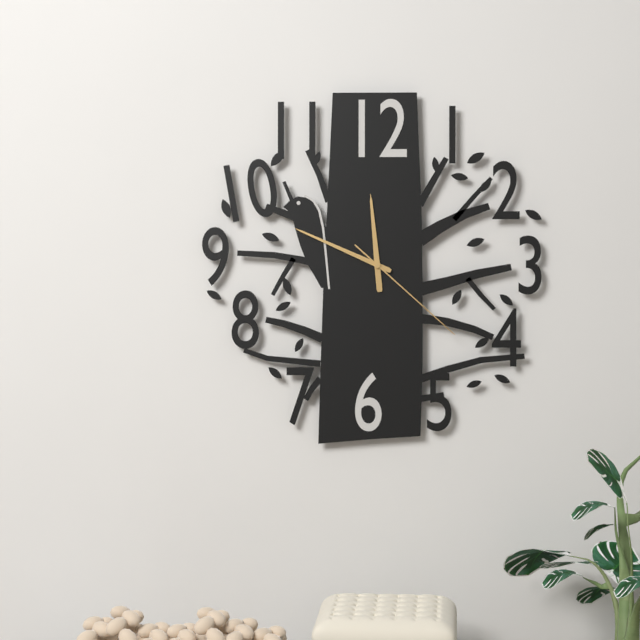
11:49:22
